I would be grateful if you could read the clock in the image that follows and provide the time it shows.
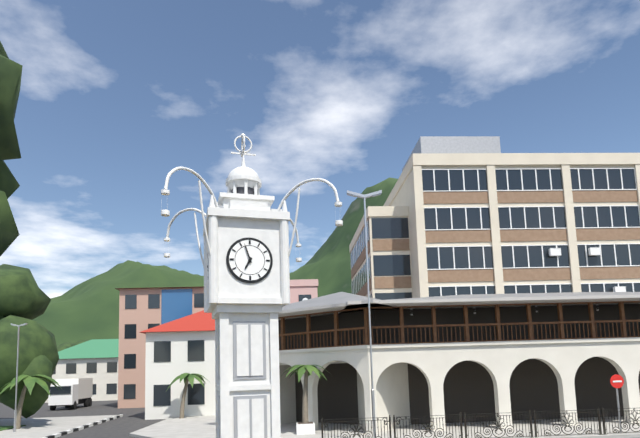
6:57
